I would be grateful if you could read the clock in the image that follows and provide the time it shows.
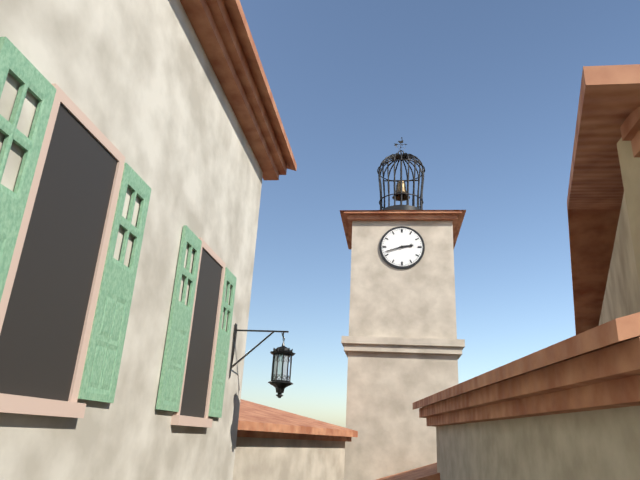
2:42
